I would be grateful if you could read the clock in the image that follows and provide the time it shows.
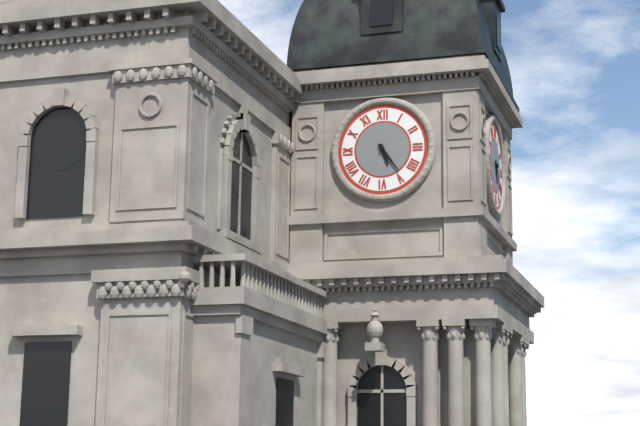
5:24
